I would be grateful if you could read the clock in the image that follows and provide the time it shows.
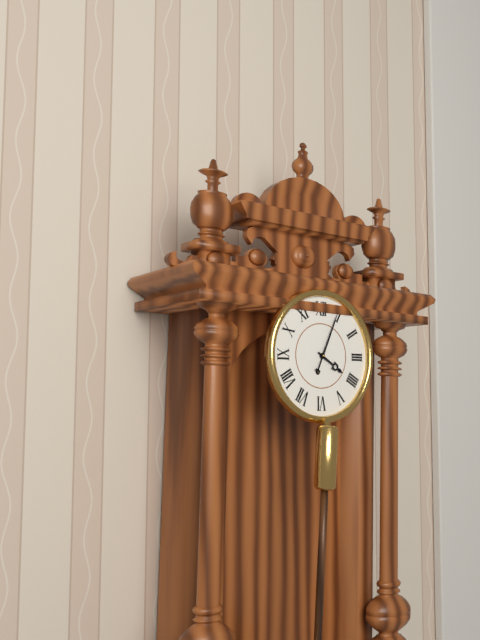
4:04
